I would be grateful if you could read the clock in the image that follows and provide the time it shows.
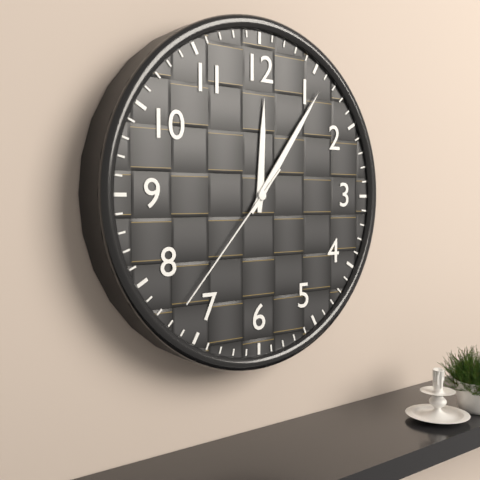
12:06:37
